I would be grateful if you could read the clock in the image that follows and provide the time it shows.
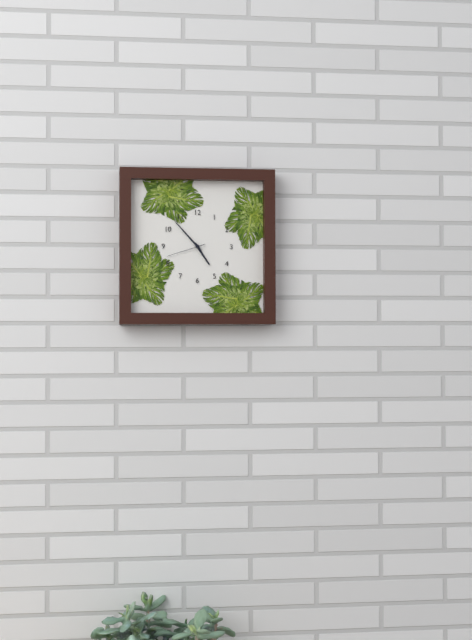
4:53
